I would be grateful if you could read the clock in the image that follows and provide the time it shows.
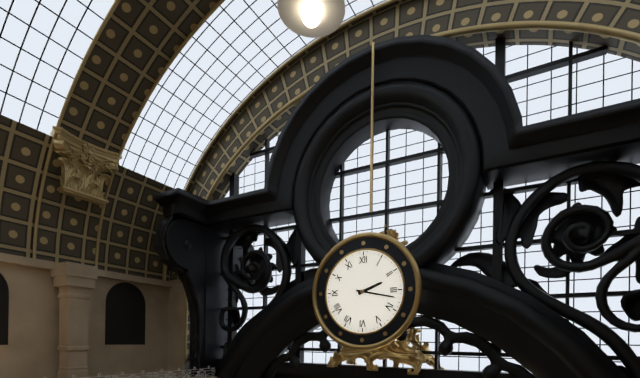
2:17
